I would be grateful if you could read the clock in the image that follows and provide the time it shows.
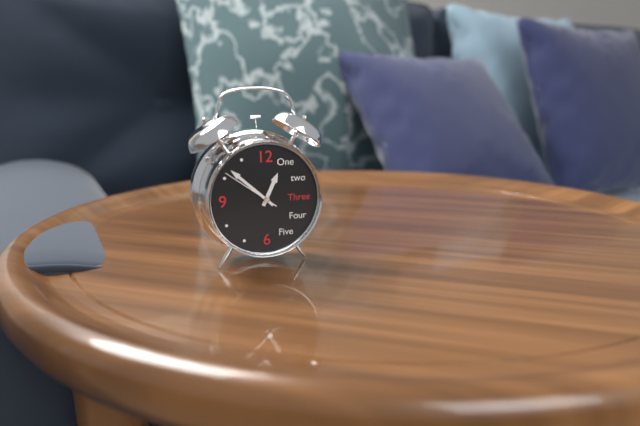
12:52:51
